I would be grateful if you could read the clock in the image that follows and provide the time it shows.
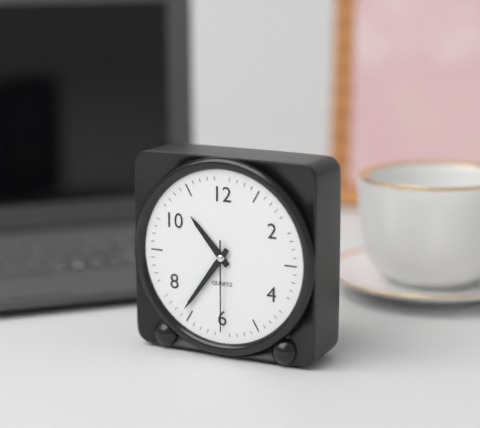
10:36:30
